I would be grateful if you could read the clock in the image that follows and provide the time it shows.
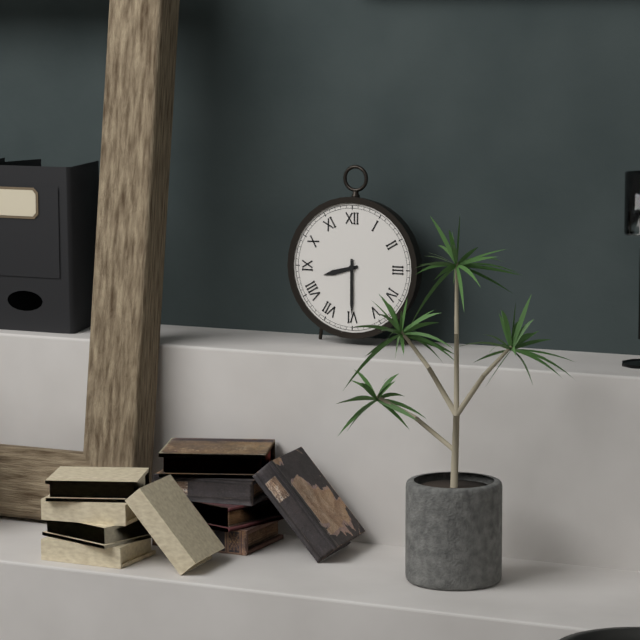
8:30
